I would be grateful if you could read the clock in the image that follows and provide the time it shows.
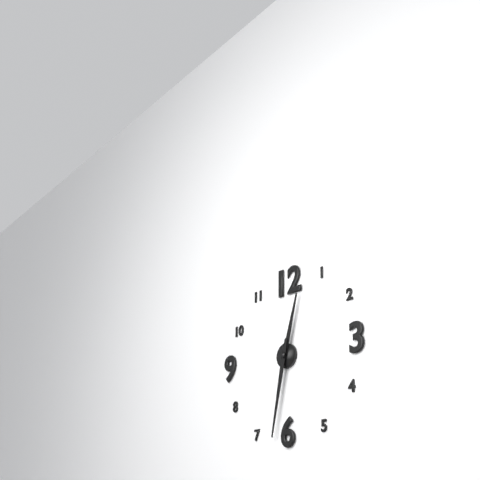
12:32
